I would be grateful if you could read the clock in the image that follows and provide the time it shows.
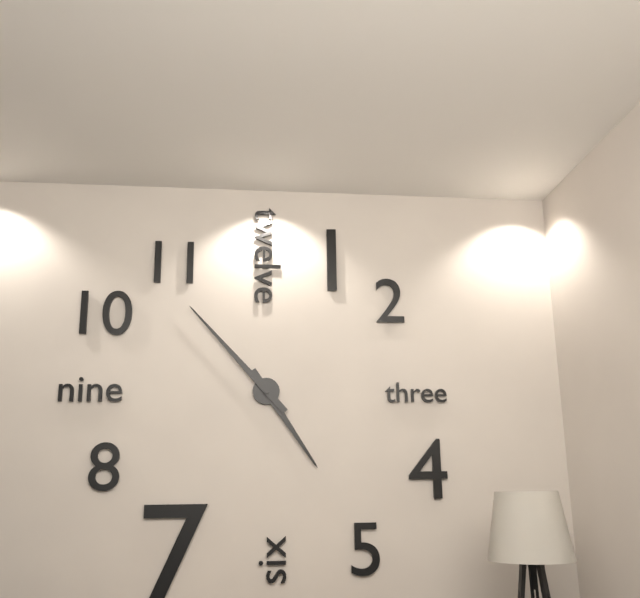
4:53
